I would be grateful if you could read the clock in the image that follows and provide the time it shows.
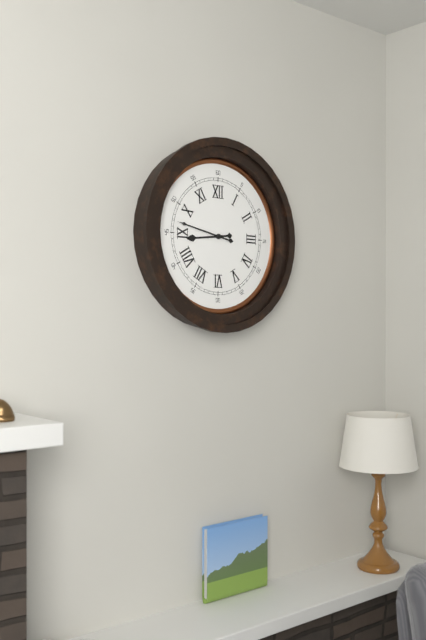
8:47
